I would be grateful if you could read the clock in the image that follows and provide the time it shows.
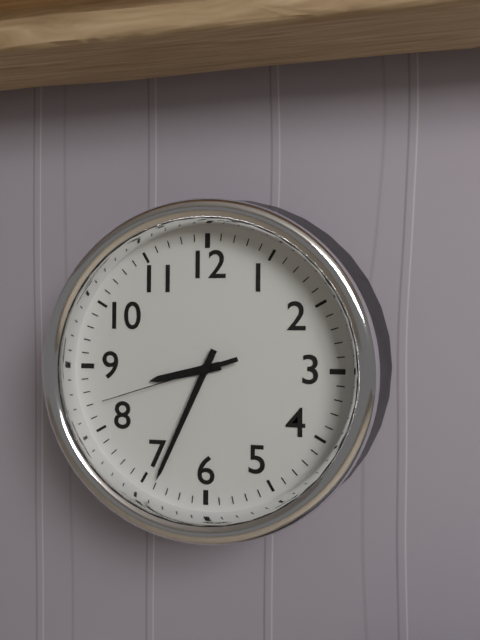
8:34:42
